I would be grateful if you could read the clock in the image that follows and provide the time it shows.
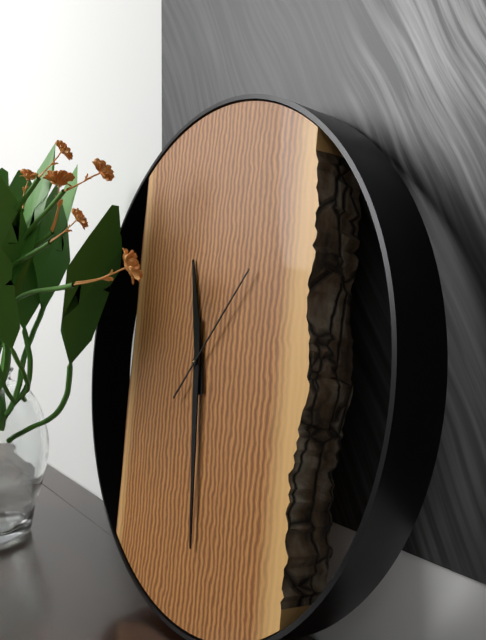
11:29:07
